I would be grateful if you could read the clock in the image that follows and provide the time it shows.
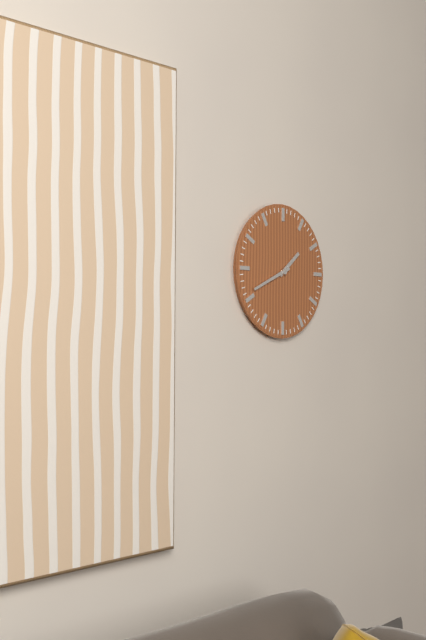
1:41
